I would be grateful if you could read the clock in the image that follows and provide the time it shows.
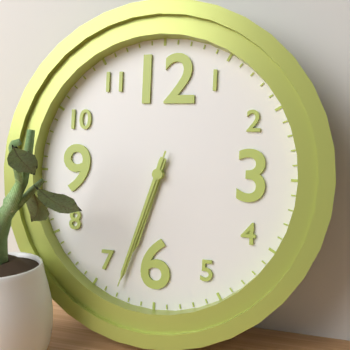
6:33:33
